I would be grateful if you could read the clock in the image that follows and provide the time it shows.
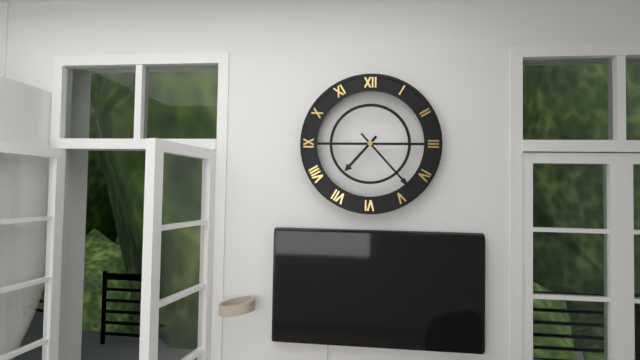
7:23
